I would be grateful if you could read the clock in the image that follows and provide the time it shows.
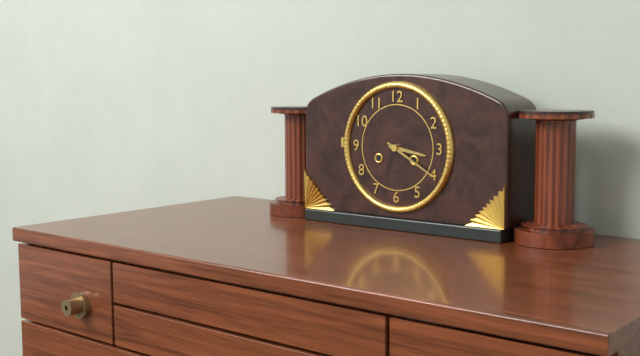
3:20
